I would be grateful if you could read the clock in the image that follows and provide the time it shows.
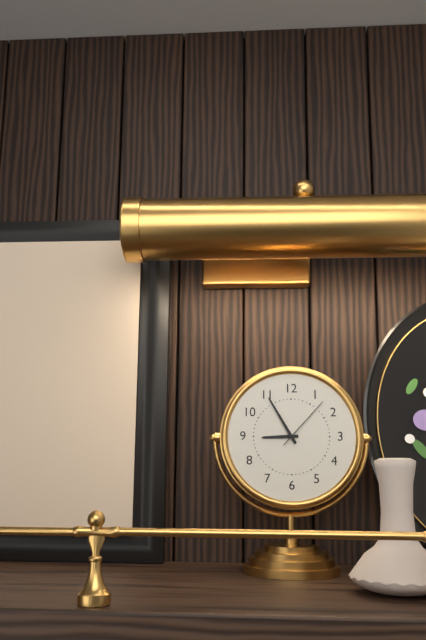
8:55:07
